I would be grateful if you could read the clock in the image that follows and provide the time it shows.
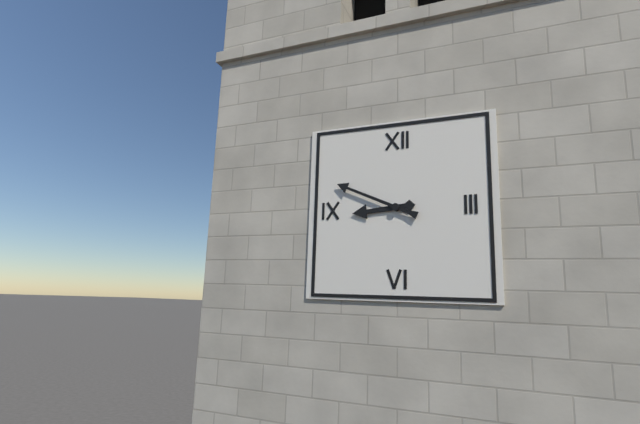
8:49
